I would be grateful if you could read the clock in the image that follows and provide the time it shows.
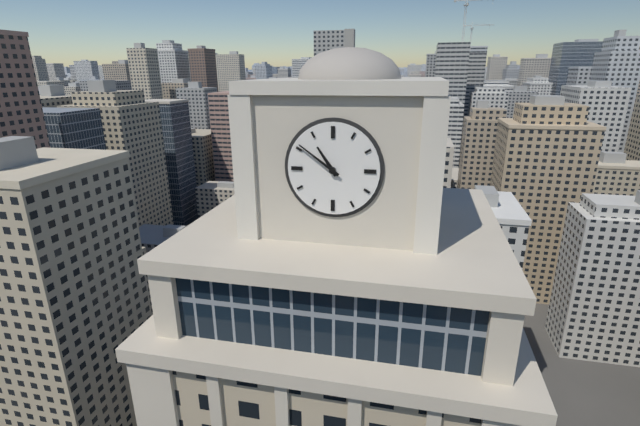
10:51
